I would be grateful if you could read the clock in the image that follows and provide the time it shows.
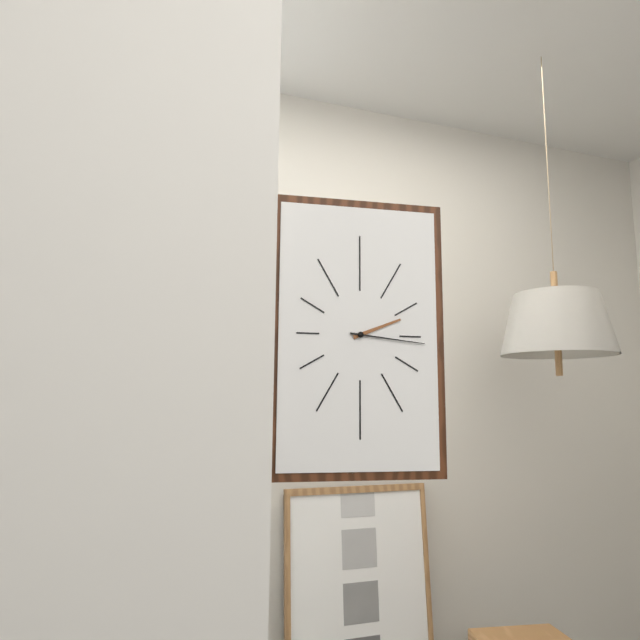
2:16
